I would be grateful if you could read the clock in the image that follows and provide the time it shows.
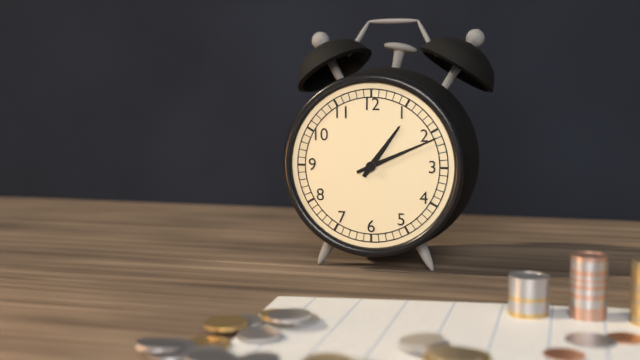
1:11
